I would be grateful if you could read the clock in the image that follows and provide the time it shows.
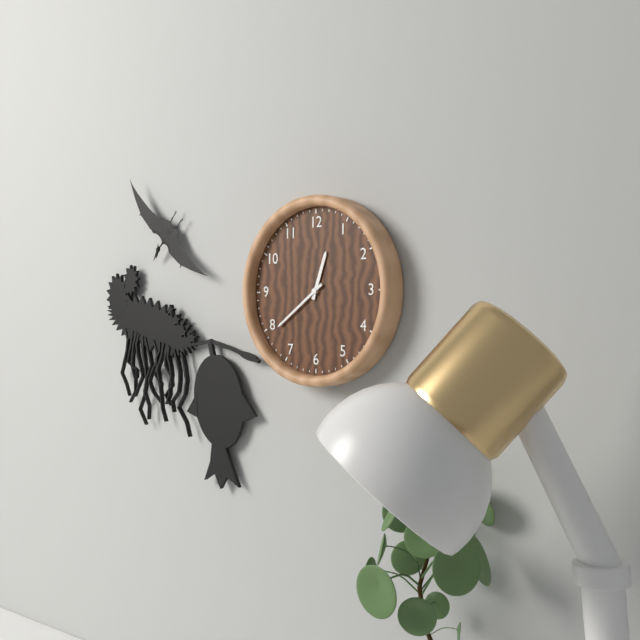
12:39
